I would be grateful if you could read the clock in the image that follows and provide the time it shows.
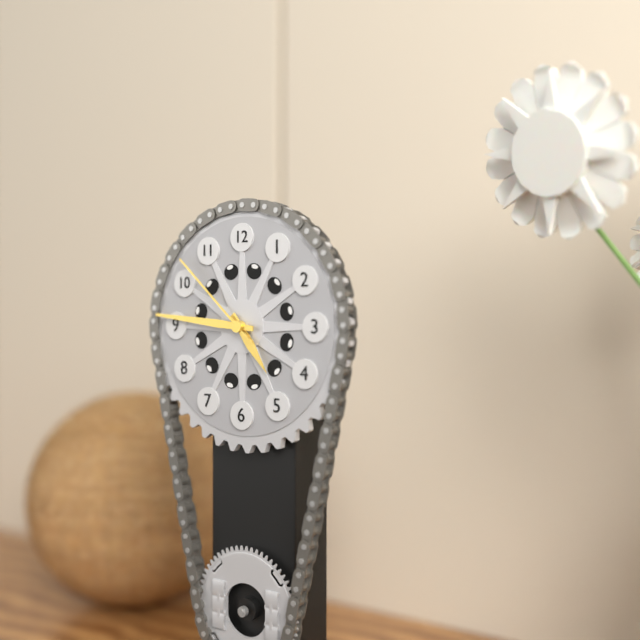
4:46:52
